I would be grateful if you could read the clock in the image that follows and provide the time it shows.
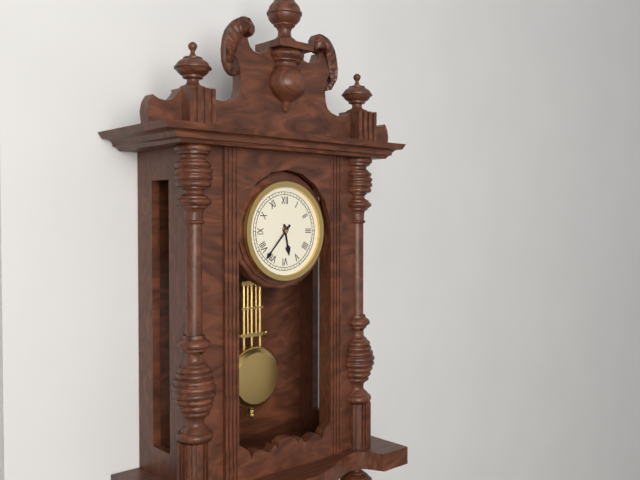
5:37
